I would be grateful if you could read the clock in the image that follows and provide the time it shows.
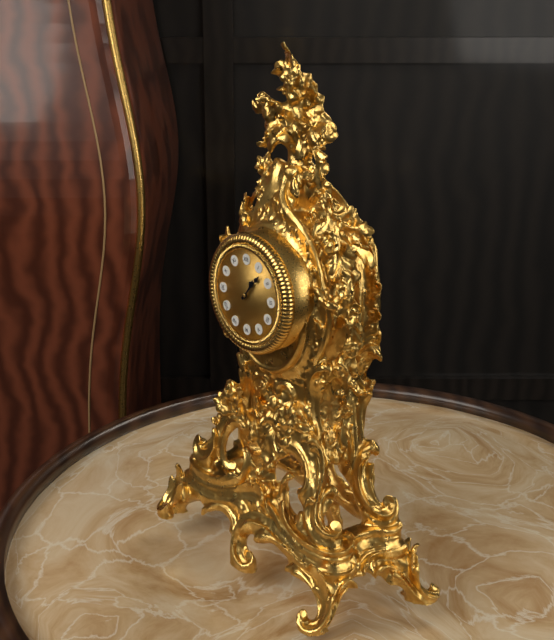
1:07
